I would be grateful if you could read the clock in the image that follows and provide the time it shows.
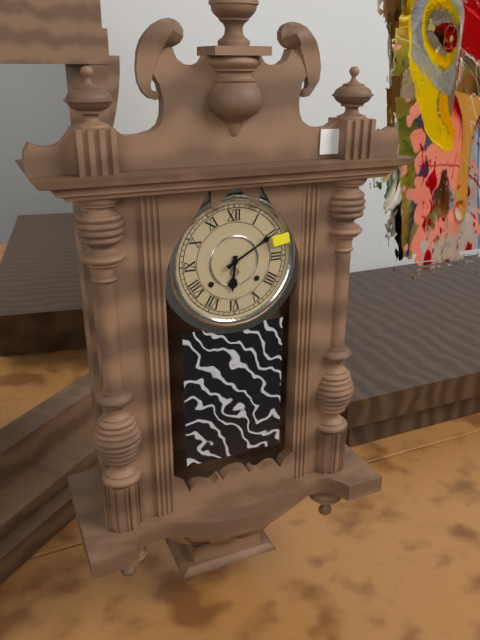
6:10
